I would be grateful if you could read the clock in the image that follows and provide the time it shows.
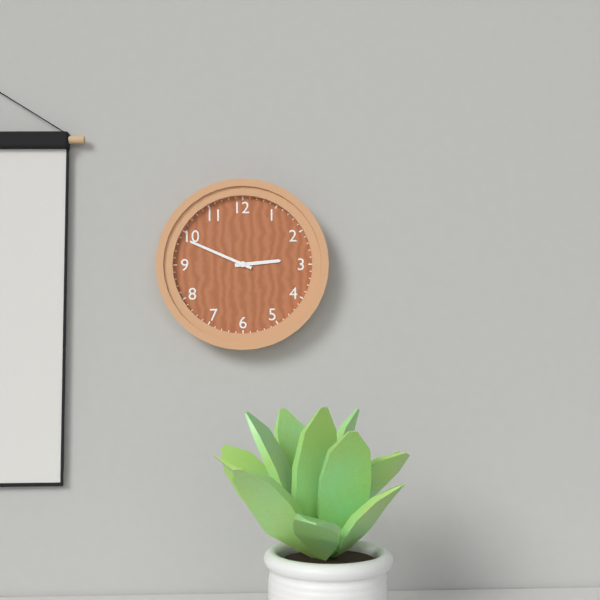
2:49
